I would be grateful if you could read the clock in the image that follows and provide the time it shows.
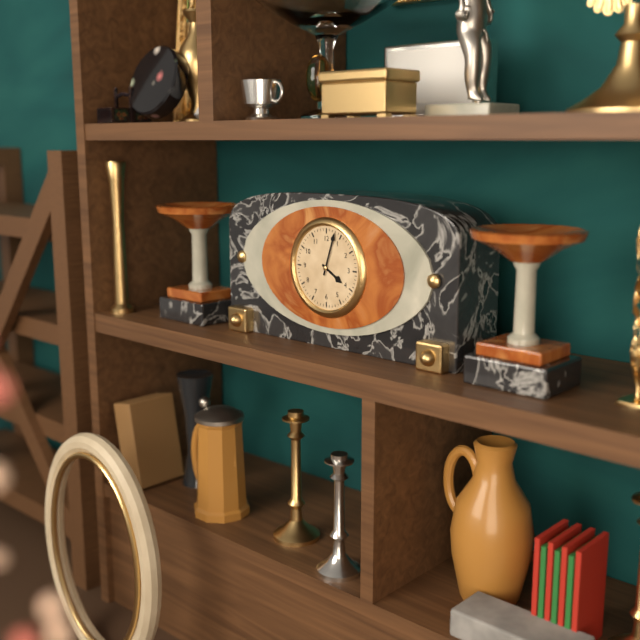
4:03
